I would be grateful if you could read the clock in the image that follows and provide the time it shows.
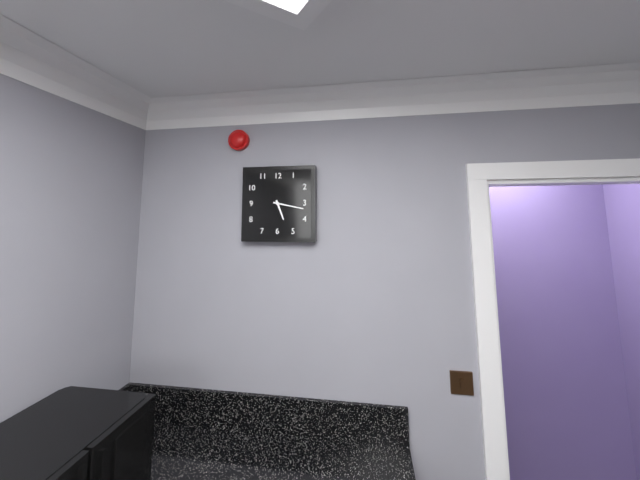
5:17
